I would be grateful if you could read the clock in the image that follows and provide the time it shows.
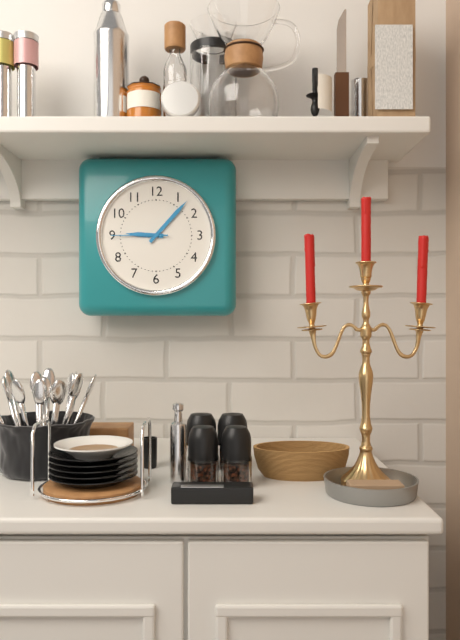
9:07:45
